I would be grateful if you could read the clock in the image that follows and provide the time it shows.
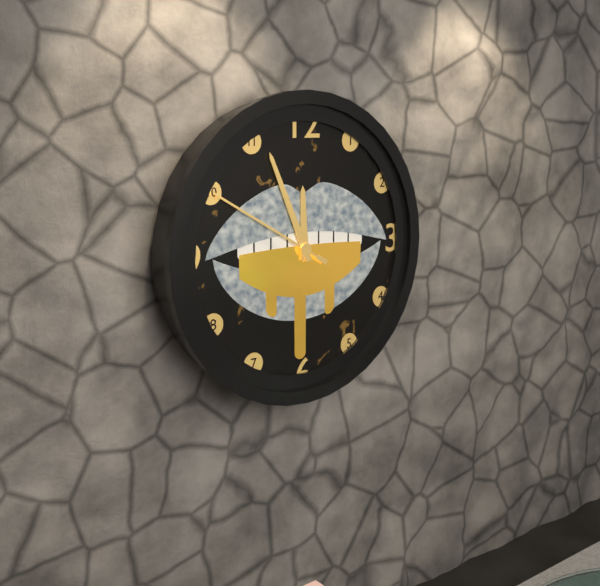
11:56:50
